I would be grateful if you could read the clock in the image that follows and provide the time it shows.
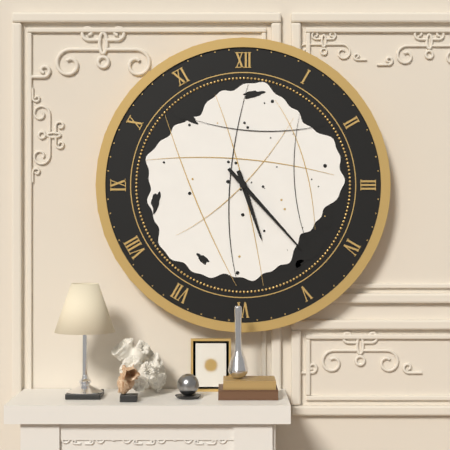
5:23
